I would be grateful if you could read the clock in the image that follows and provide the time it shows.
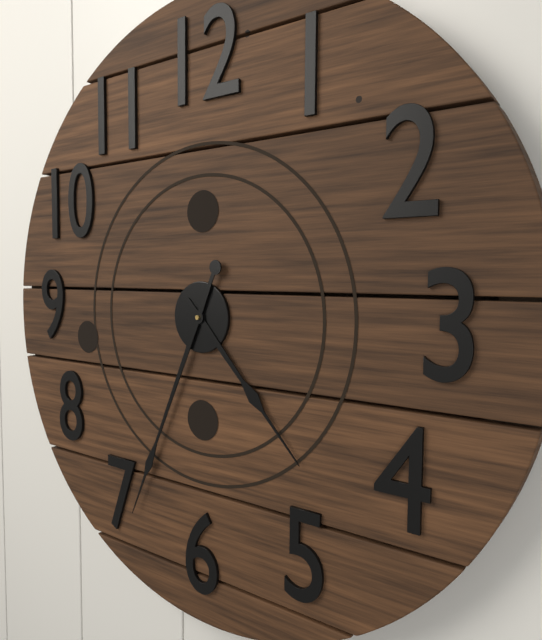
4:34
